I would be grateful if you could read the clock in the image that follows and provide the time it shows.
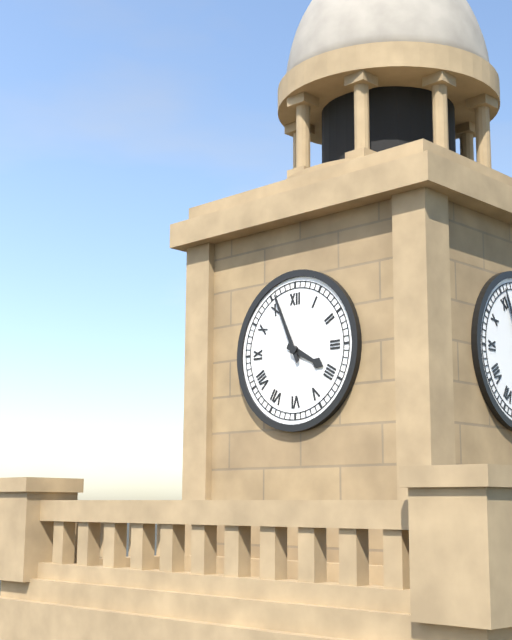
3:56
